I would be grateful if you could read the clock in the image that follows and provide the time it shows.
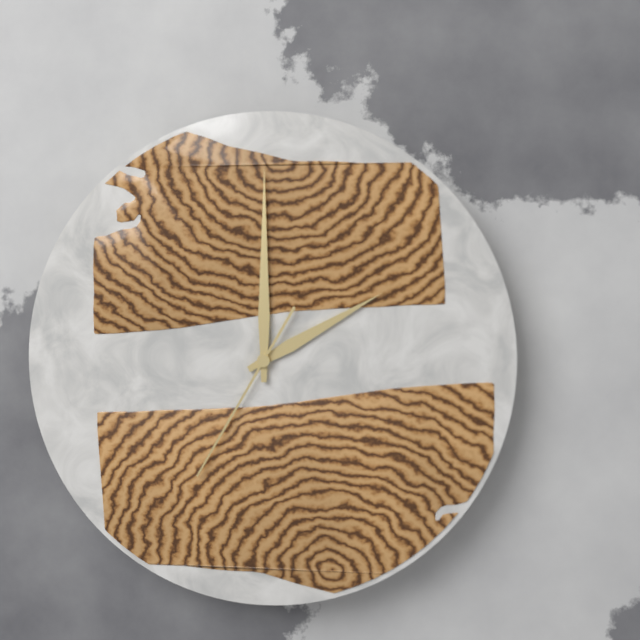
2:00:35
